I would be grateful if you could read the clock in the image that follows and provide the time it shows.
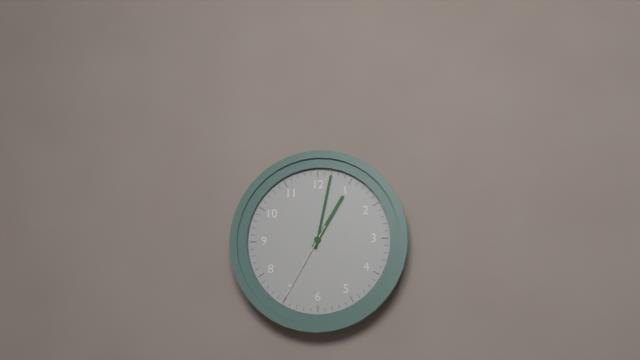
1:02:35
